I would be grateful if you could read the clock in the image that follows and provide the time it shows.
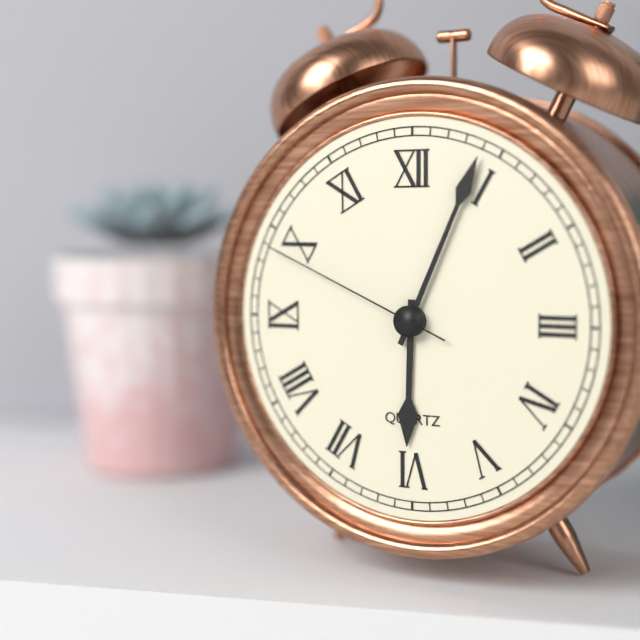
6:04:49
